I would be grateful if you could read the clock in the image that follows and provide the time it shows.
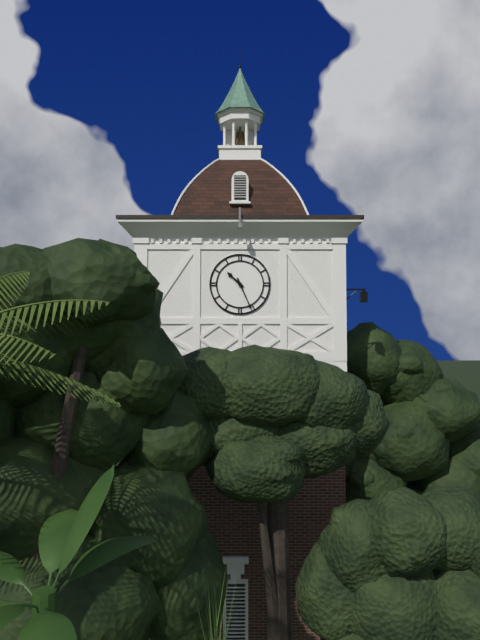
10:26
